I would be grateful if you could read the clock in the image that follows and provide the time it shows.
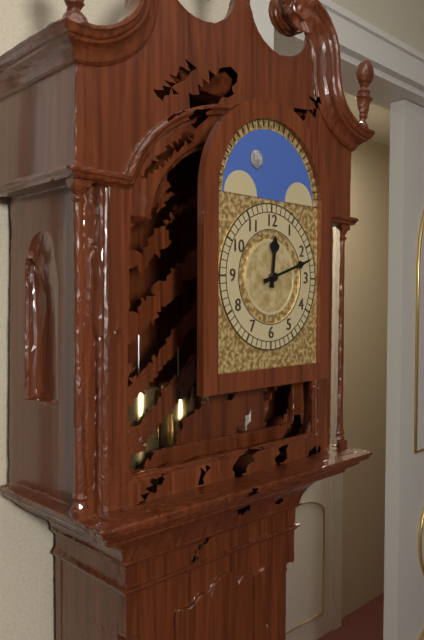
12:12
